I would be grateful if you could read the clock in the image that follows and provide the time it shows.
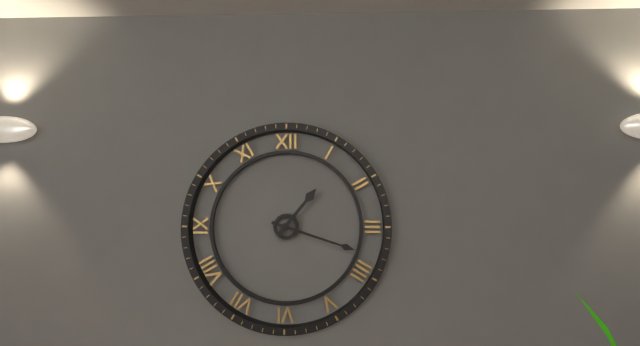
1:18
